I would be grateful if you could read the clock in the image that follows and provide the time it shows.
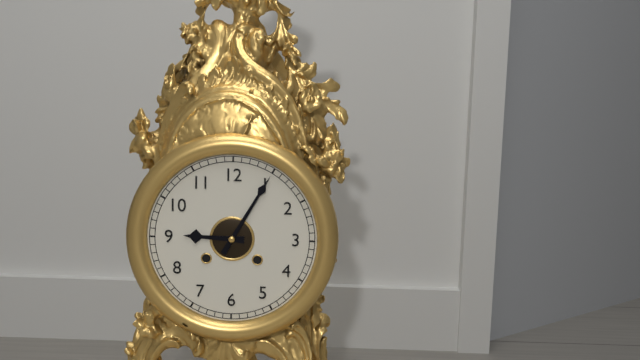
9:05
